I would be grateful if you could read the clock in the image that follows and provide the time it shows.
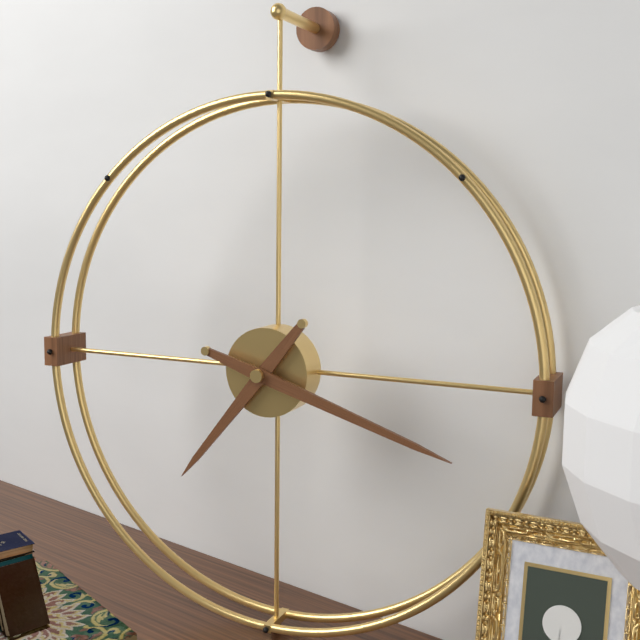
7:18
